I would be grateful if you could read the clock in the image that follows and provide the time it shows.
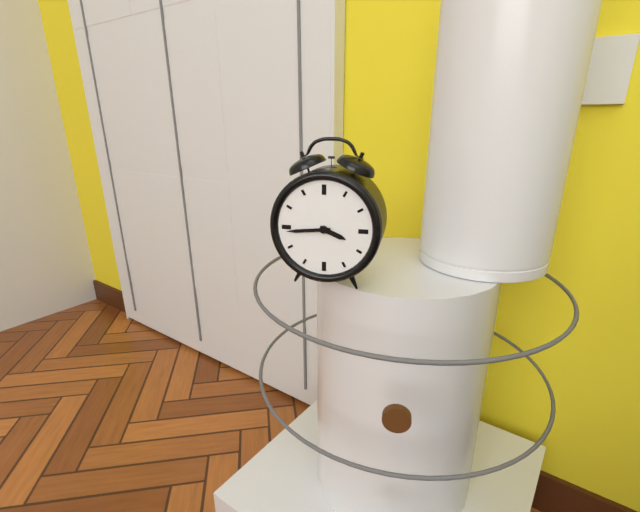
3:44
